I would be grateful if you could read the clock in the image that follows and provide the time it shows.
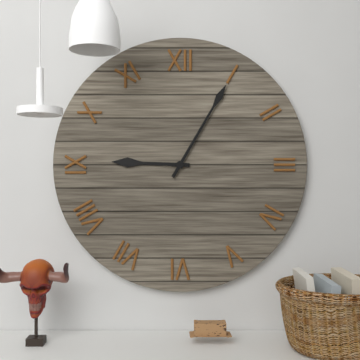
9:05
